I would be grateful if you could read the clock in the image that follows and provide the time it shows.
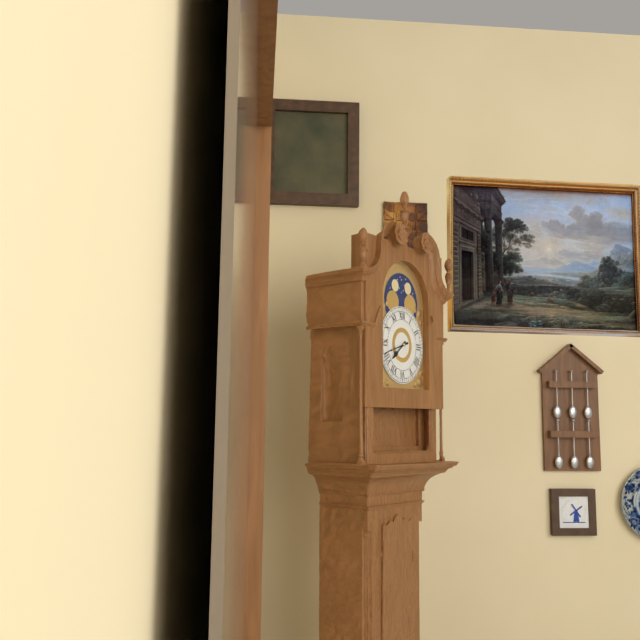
7:42
